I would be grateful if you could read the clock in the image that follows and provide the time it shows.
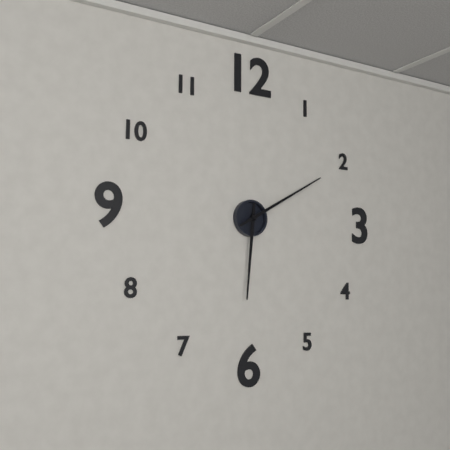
6:10
